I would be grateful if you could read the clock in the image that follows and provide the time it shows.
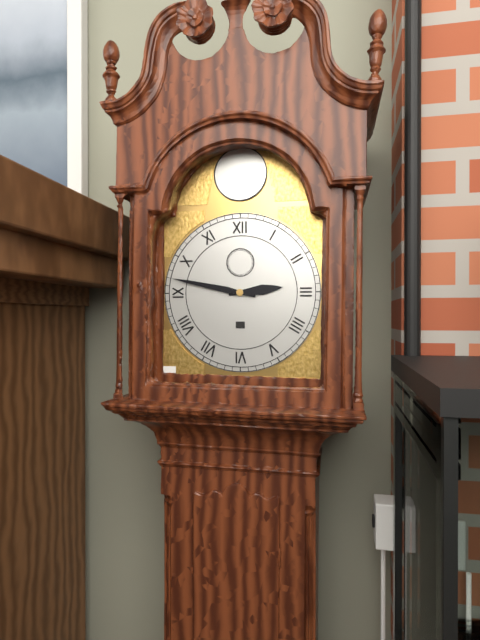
2:47
